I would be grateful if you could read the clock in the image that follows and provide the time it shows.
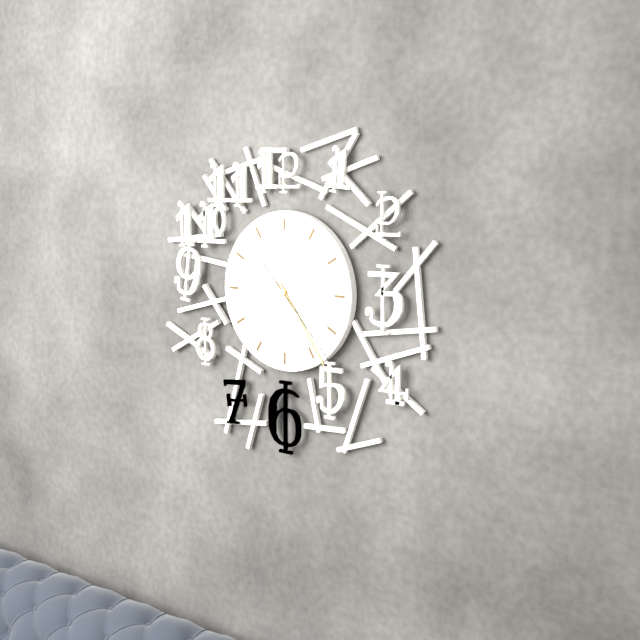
2:24:23
